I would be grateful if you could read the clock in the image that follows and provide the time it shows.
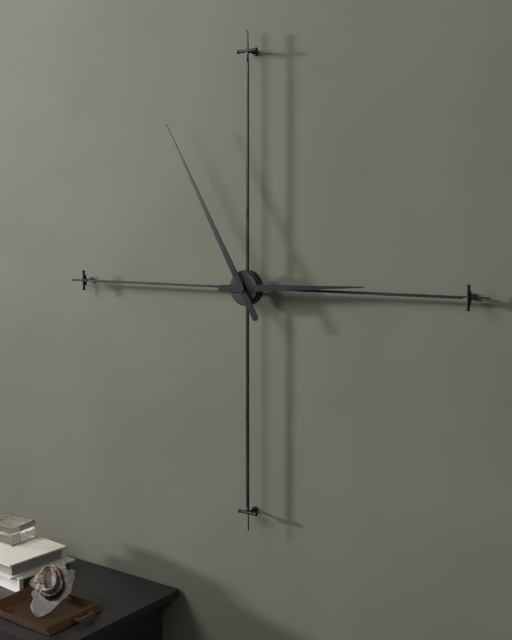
2:55
